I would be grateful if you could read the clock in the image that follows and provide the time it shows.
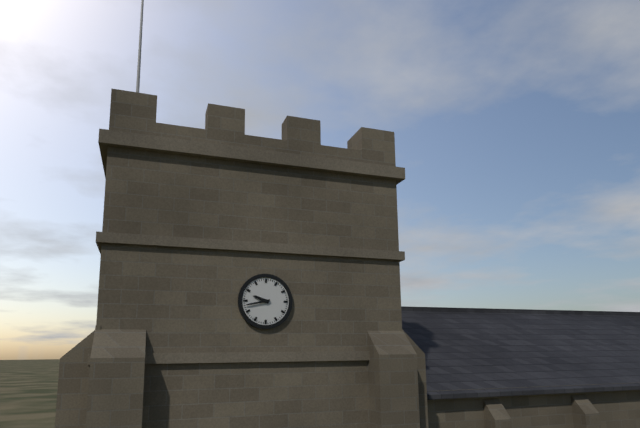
9:43
